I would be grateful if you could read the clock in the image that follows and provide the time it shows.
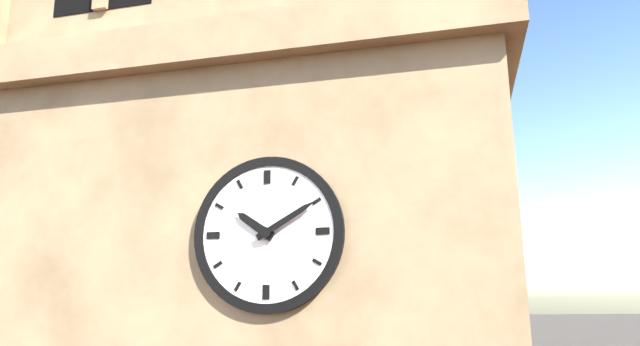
10:10
